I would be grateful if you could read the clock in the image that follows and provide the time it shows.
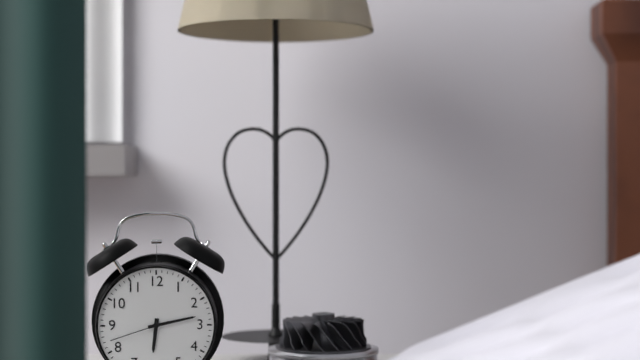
6:13:42
